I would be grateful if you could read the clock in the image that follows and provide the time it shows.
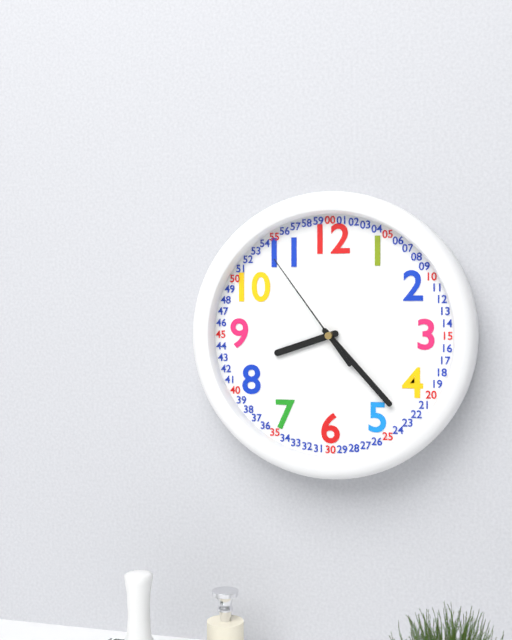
8:23:54
